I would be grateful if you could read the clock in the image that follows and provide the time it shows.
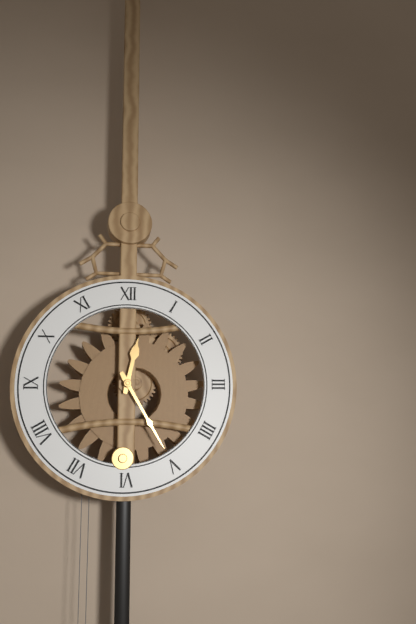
12:25
